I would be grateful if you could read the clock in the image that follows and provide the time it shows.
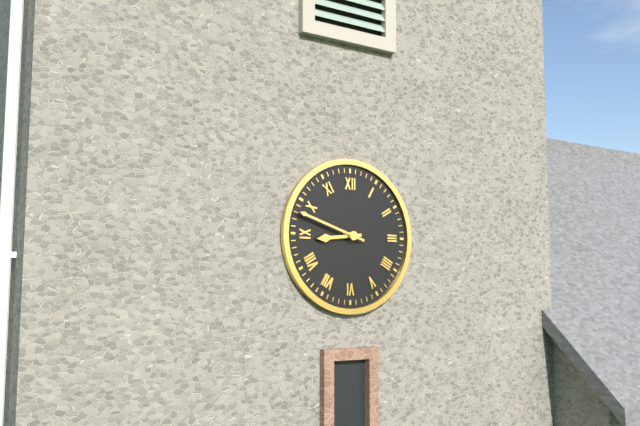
8:48
